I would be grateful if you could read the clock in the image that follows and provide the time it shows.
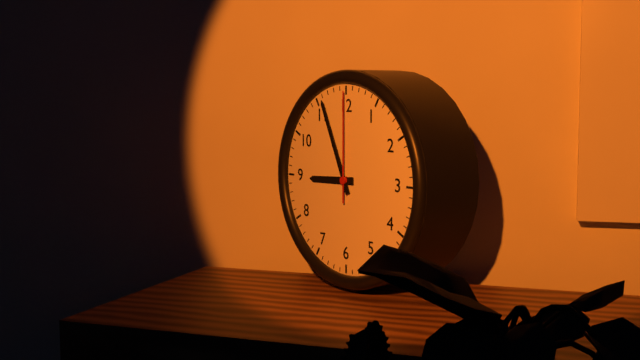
8:56:00
